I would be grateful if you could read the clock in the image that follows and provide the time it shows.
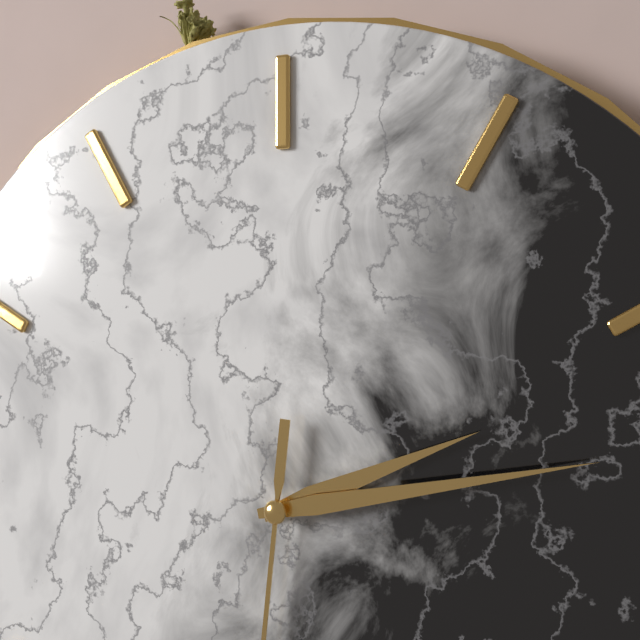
2:13
